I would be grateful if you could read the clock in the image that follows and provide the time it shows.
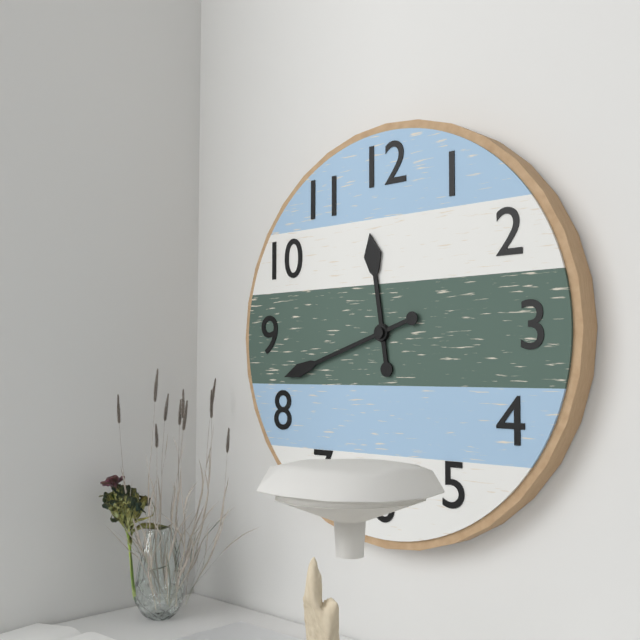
11:42
